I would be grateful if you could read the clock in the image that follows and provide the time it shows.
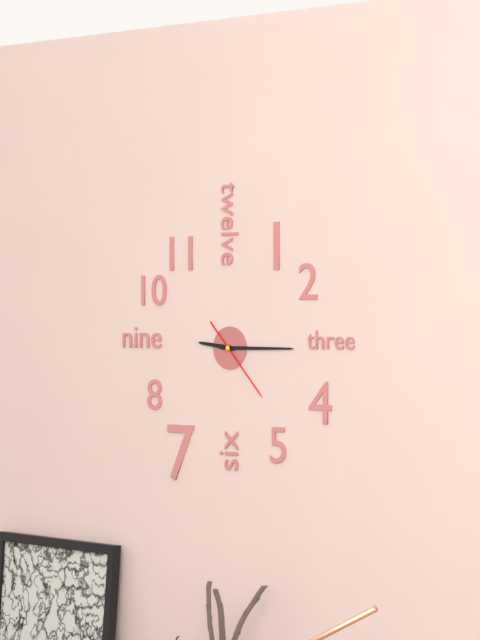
9:15:23
